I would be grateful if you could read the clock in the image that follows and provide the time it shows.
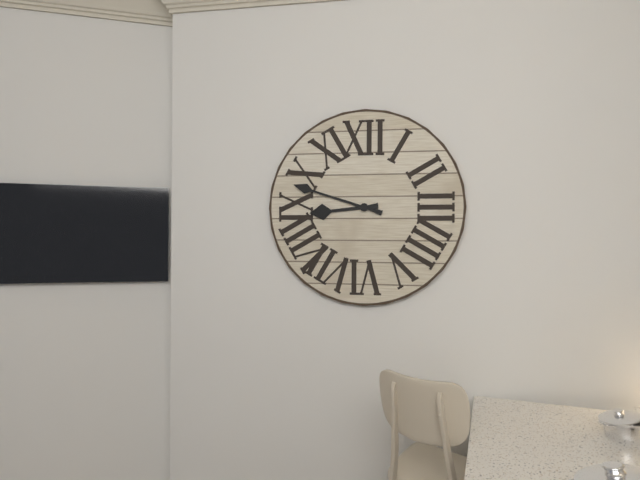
8:48
